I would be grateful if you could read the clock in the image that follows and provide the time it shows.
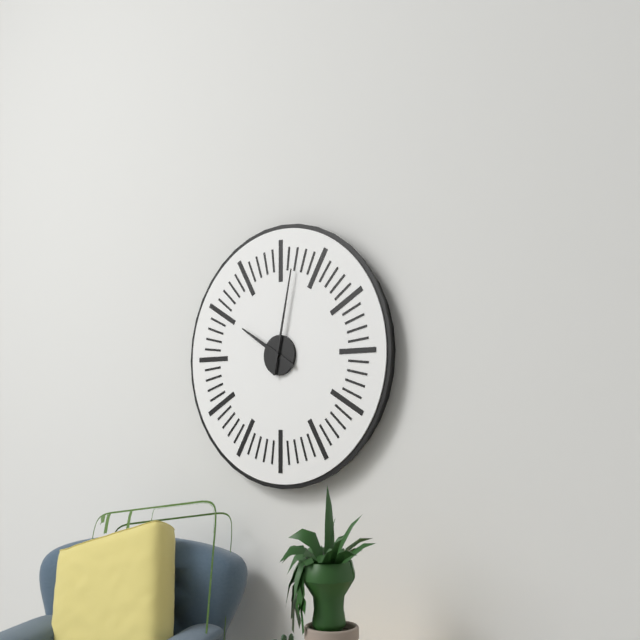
10:02
